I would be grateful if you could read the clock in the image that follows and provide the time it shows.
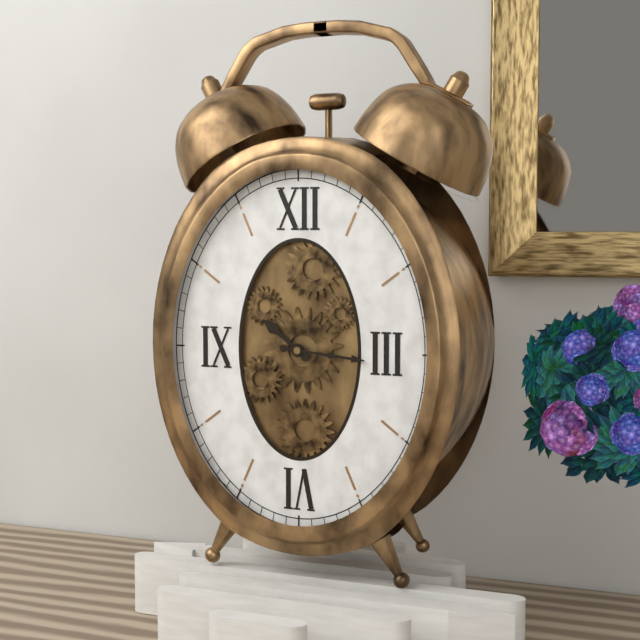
10:16
